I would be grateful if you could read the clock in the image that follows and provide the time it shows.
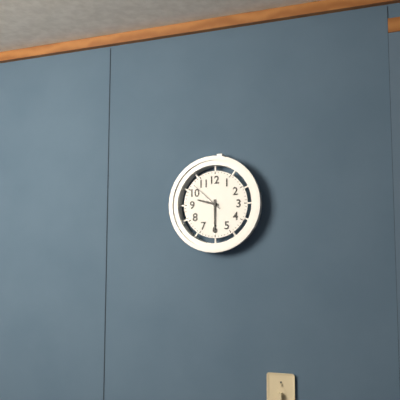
9:30
